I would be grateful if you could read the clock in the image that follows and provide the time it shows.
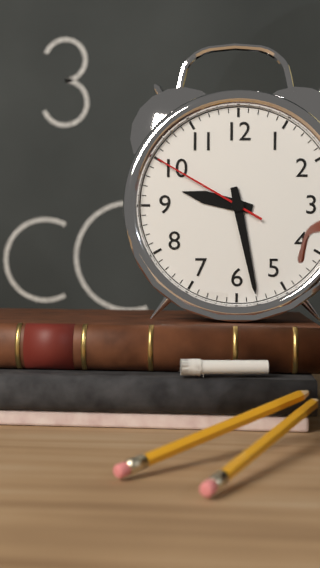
9:28:50
